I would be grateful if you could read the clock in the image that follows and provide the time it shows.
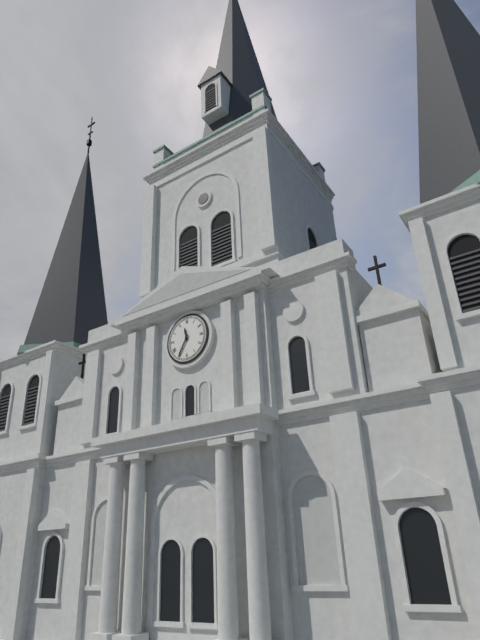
11:35
